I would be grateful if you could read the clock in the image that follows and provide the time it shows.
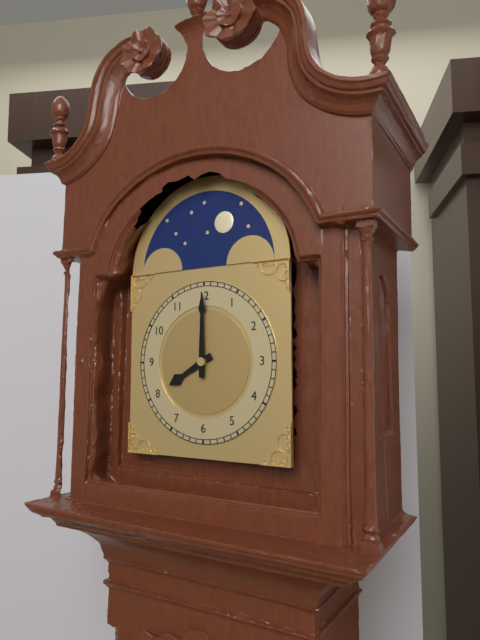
8:00
